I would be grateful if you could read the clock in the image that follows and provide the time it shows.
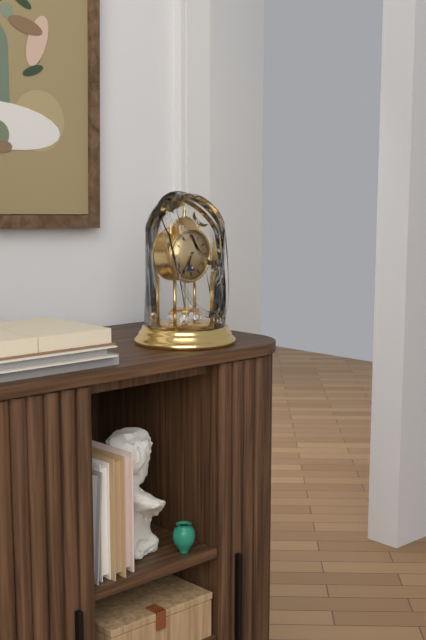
6:36
